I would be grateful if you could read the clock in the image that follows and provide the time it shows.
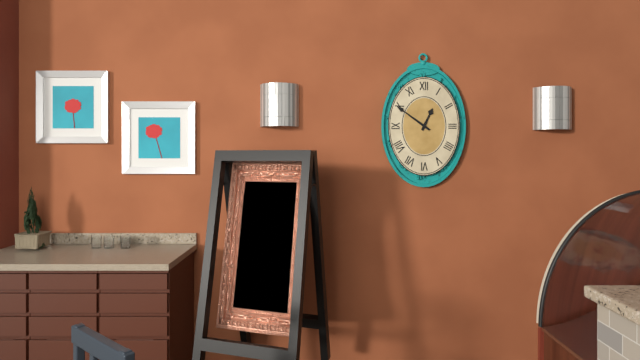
12:51
